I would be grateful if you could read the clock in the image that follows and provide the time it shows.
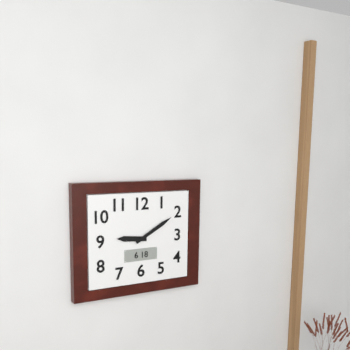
9:10
